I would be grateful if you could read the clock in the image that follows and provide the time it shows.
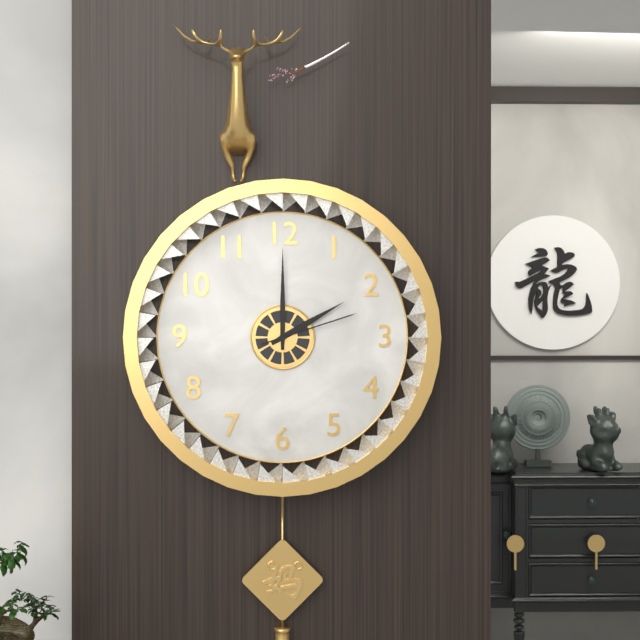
2:00:12
